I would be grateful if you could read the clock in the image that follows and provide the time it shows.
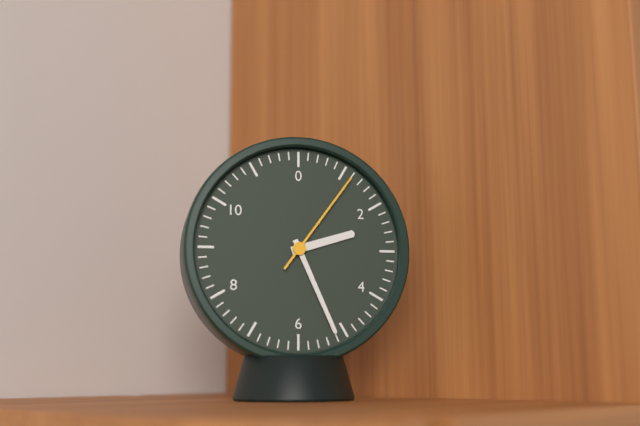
2:26:06
